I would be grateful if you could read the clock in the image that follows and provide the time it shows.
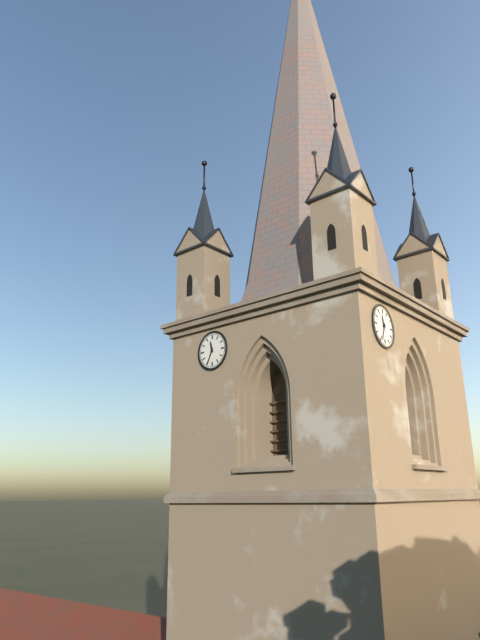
11:34
